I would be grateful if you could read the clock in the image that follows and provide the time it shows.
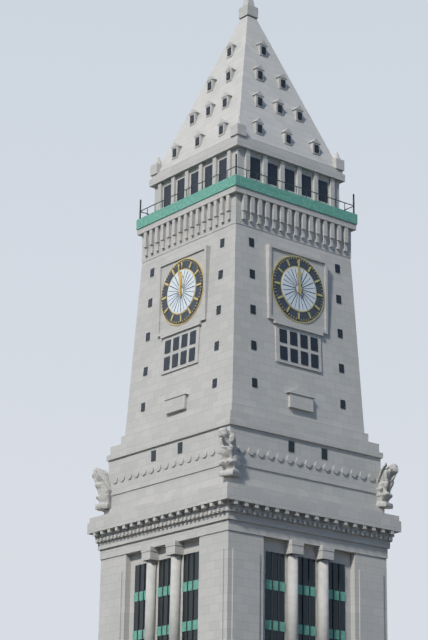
11:59
